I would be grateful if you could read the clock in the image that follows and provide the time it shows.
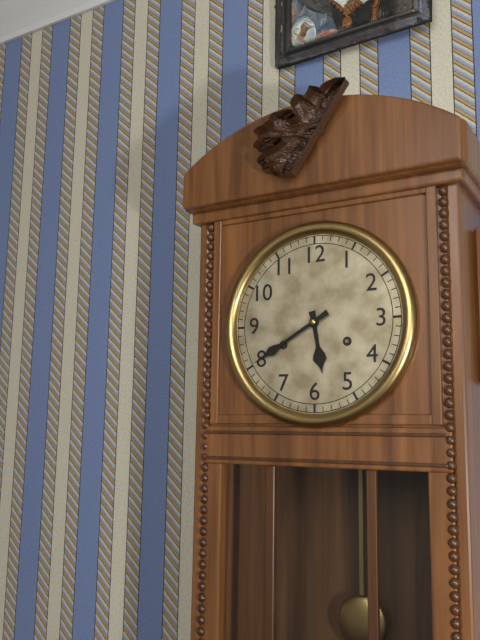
5:40
